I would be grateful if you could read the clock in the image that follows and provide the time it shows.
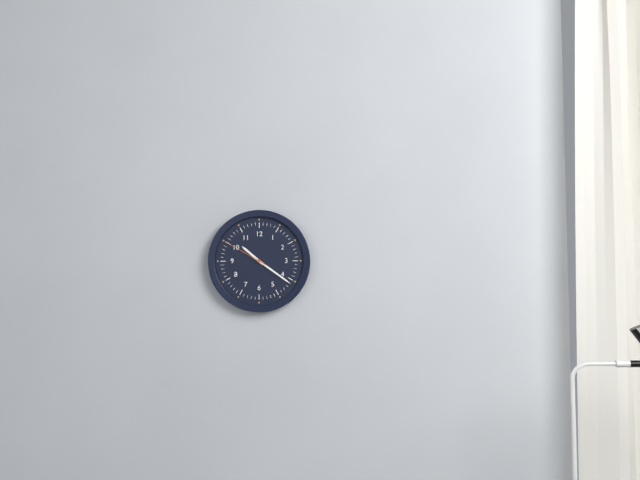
10:21
